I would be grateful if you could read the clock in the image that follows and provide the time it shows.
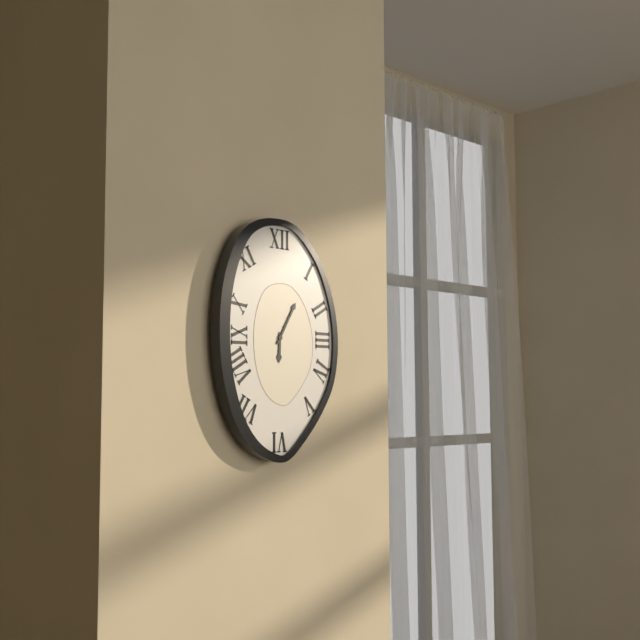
6:05
